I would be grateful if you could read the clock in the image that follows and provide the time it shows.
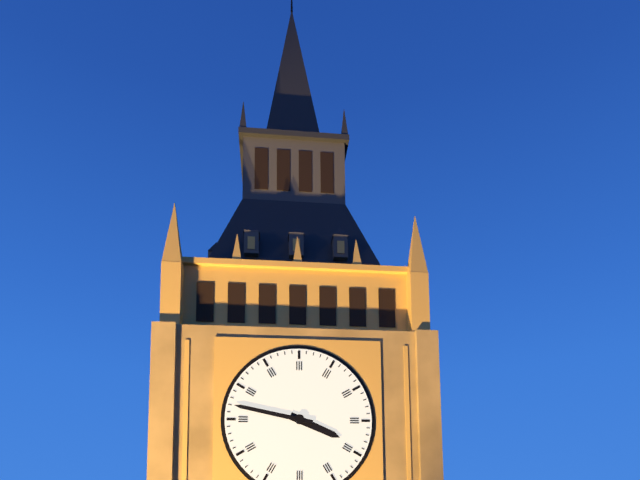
3:47
